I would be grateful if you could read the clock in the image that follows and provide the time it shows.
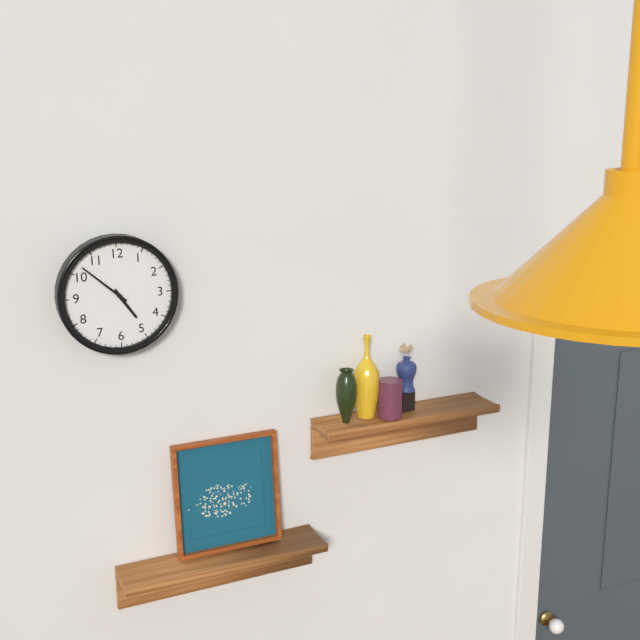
4:52
